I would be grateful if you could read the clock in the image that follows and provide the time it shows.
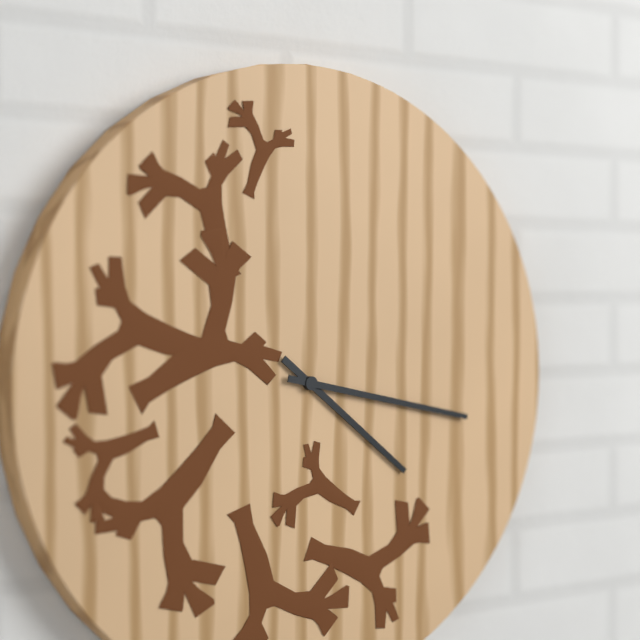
4:17
